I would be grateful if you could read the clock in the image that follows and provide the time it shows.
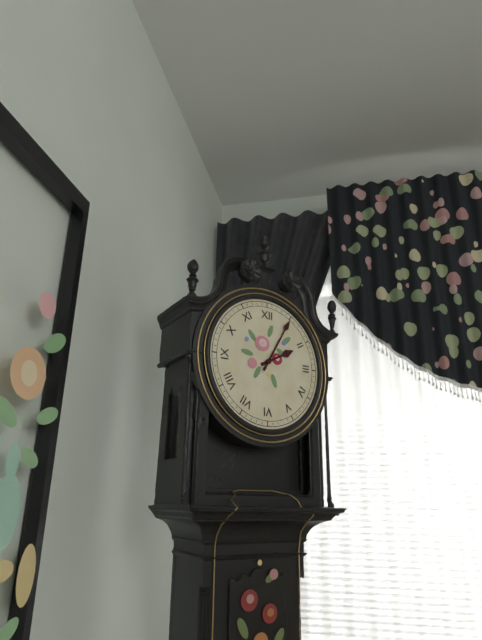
2:05
